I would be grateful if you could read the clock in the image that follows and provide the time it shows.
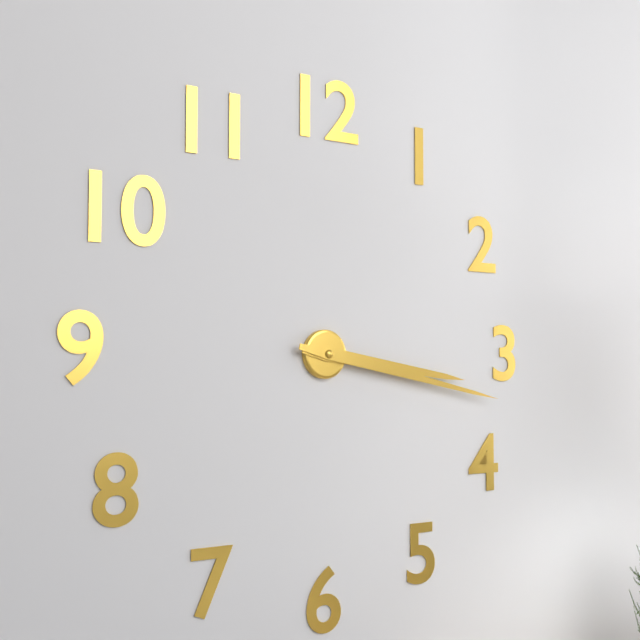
3:17
